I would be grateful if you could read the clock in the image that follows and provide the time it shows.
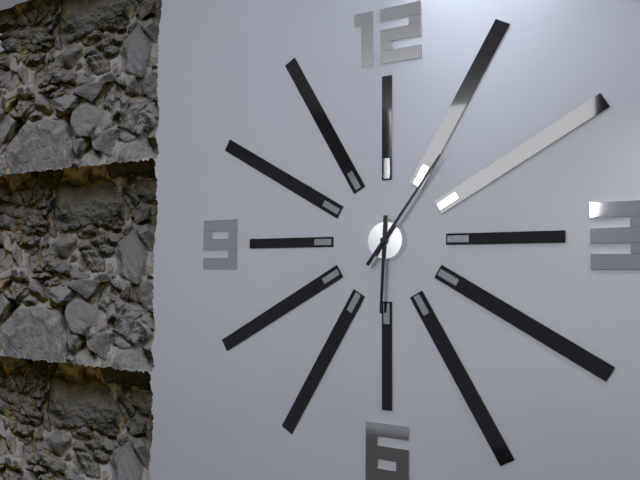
6:06
